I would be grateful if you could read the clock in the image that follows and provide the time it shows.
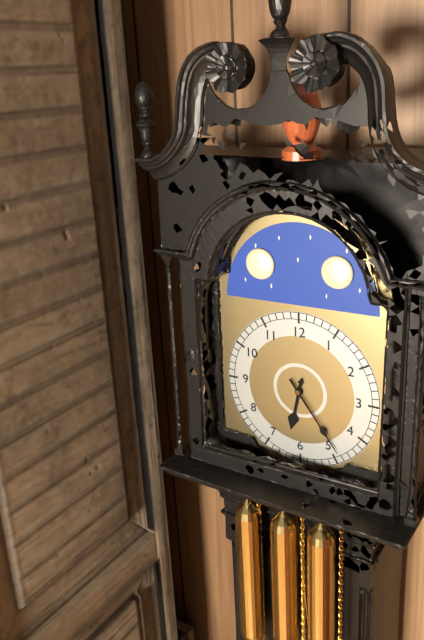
6:24
